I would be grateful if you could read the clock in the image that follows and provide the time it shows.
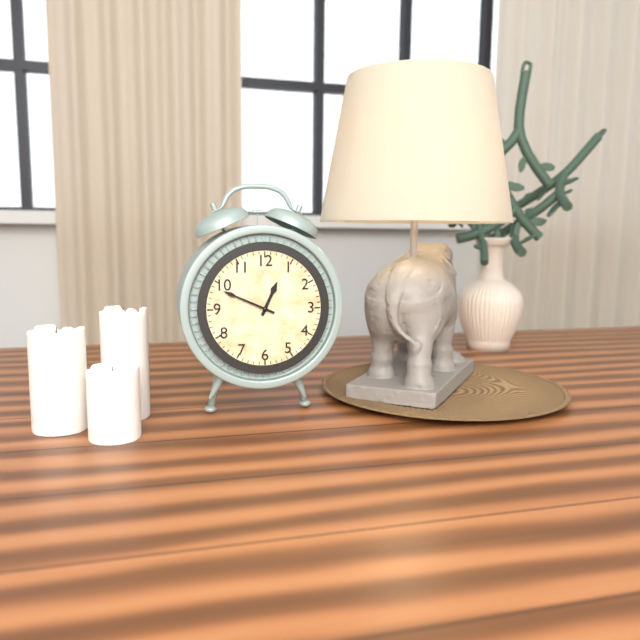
12:49
